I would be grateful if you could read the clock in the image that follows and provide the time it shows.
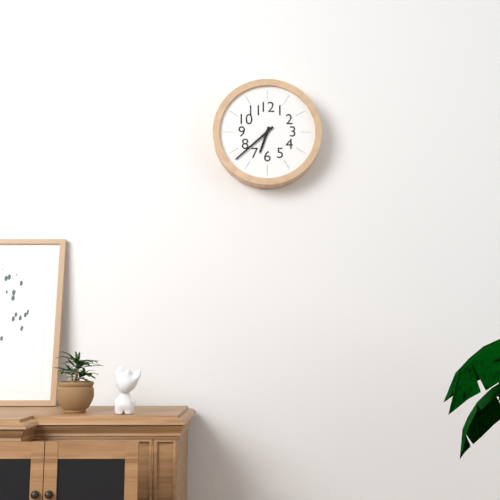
6:38
